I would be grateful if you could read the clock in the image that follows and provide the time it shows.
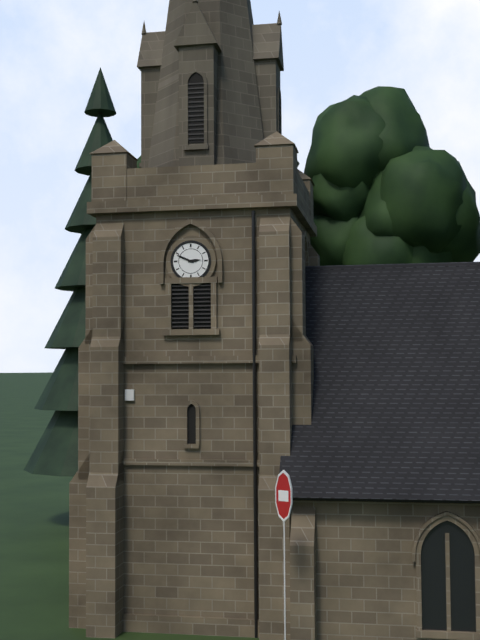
2:49
